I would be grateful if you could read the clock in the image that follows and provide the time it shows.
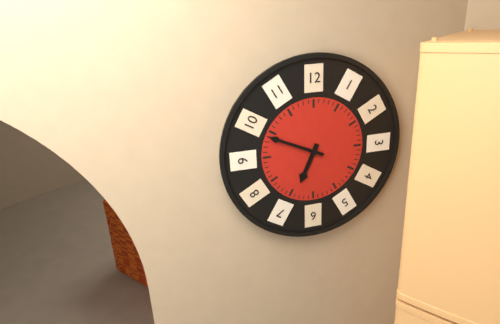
6:49
